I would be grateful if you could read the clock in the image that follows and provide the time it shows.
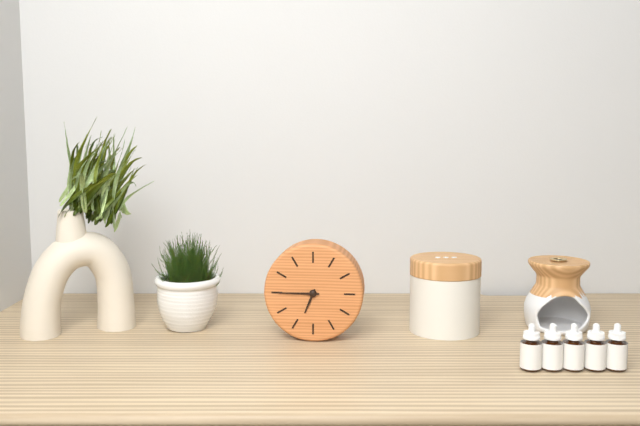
6:45
